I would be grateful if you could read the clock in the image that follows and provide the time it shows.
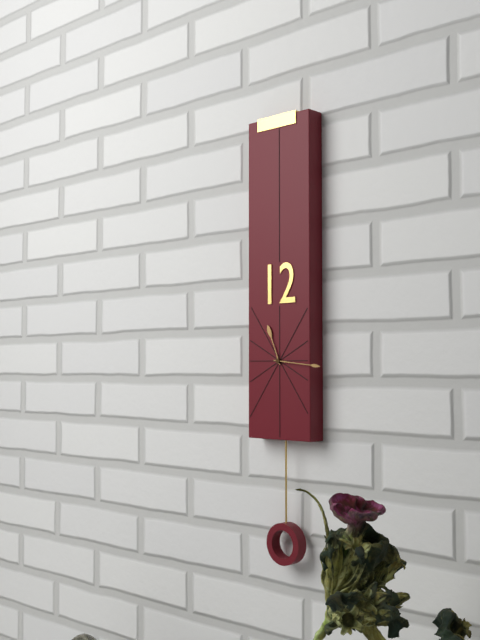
11:16
